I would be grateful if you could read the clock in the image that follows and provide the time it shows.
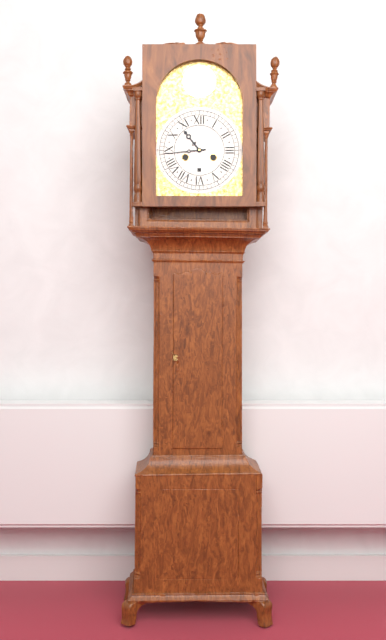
10:44
